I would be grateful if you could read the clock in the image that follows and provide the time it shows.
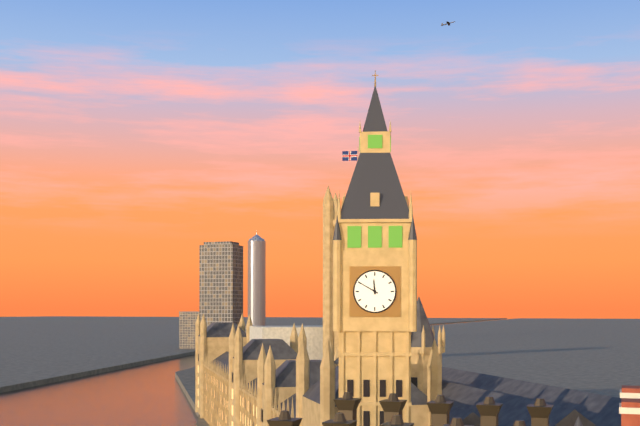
11:50
